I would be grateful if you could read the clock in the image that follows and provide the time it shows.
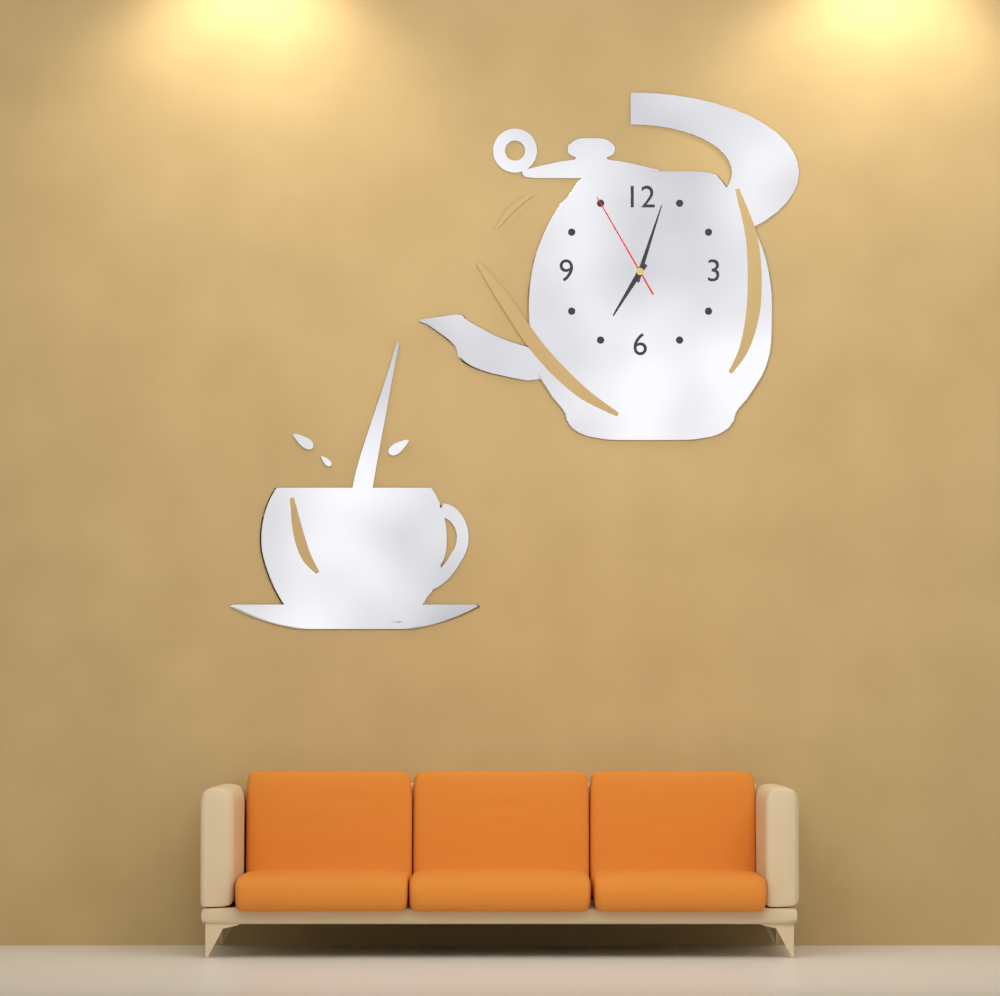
7:03:55
